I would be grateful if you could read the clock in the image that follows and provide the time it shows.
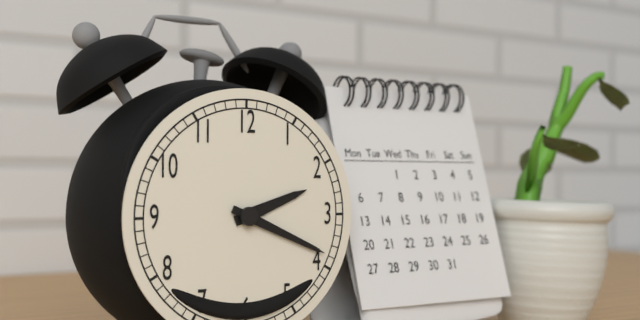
2:19
